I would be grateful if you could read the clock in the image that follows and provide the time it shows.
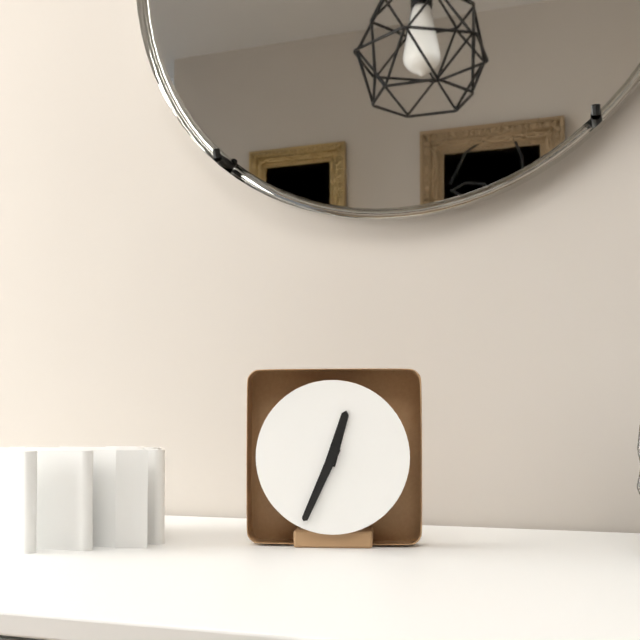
12:34
